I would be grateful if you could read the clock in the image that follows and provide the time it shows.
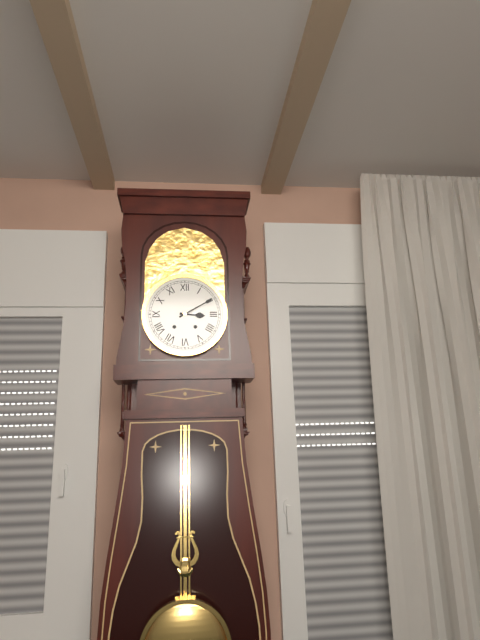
3:10
